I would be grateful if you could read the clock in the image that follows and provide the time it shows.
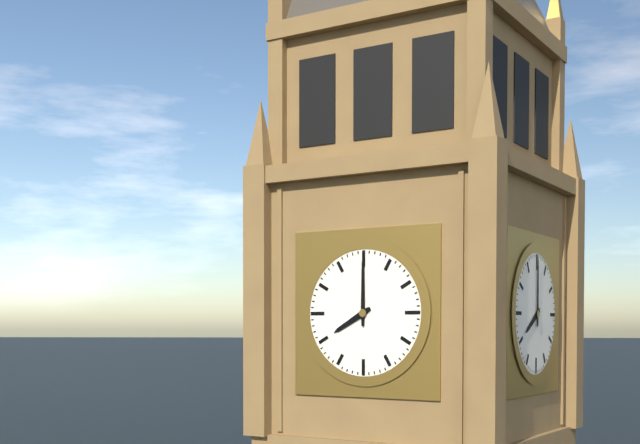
8:00
